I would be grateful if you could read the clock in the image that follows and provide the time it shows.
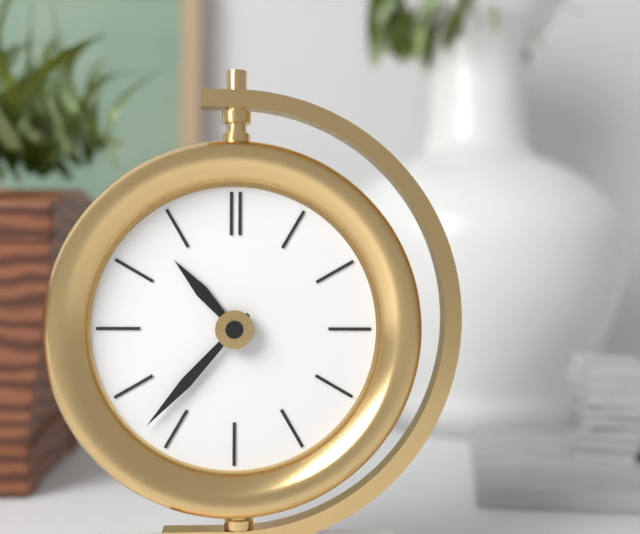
10:37
